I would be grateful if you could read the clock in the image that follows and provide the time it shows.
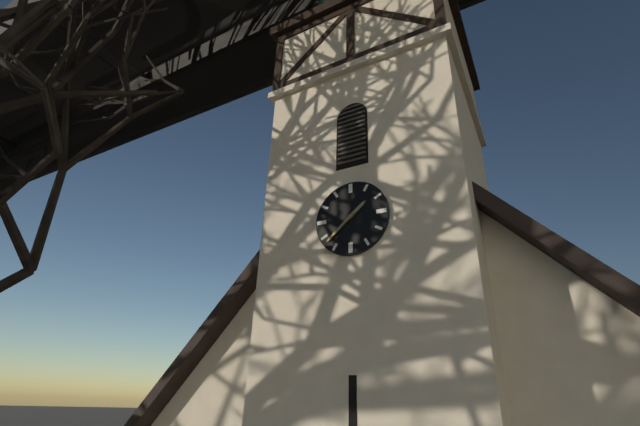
1:38
